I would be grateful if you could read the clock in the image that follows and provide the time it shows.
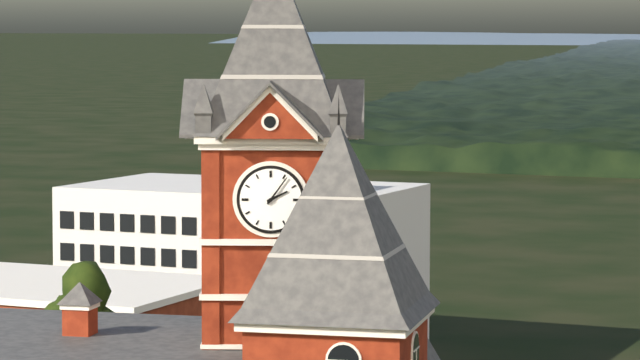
2:06
